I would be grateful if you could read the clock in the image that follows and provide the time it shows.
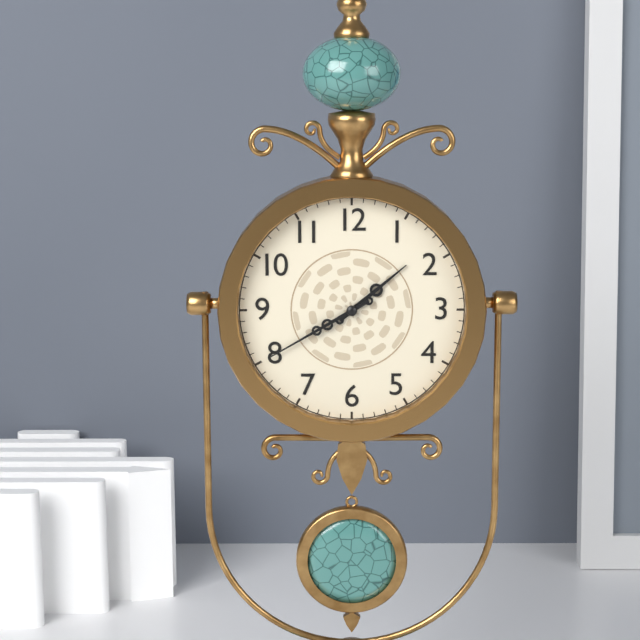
1:40
